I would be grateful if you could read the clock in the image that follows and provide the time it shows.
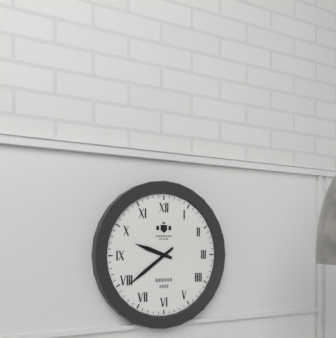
9:39
